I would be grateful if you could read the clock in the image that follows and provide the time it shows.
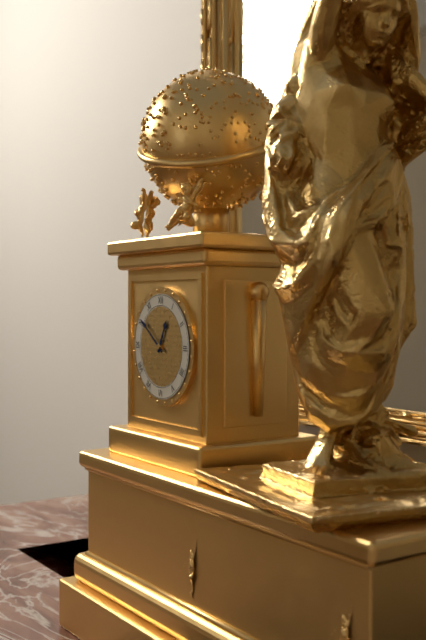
12:51
